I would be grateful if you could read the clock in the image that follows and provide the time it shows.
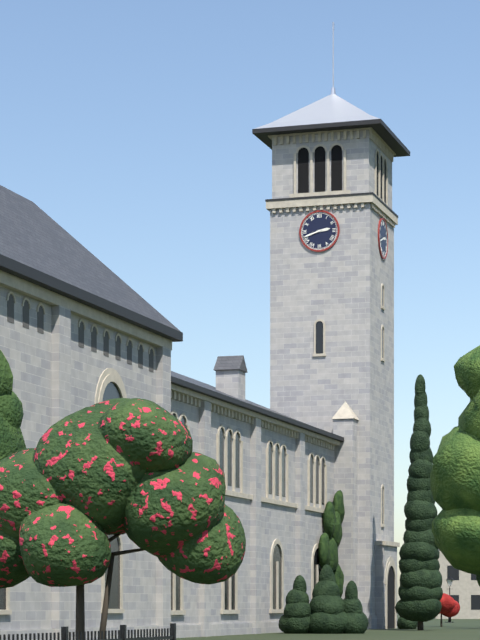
2:42
